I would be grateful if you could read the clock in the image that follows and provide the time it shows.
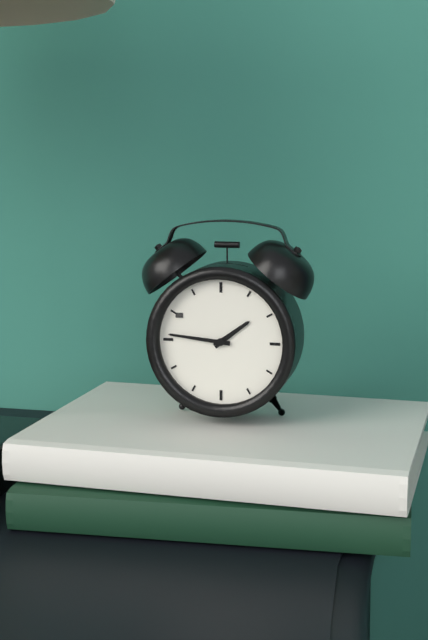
1:46
